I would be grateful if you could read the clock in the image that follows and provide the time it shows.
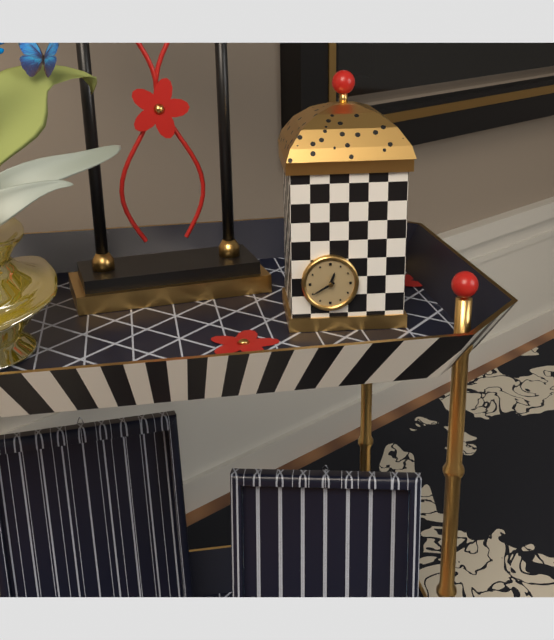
12:40
